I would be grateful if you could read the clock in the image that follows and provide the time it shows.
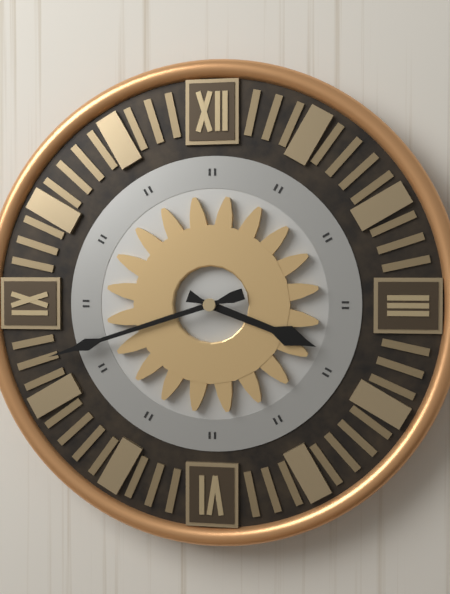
3:42
